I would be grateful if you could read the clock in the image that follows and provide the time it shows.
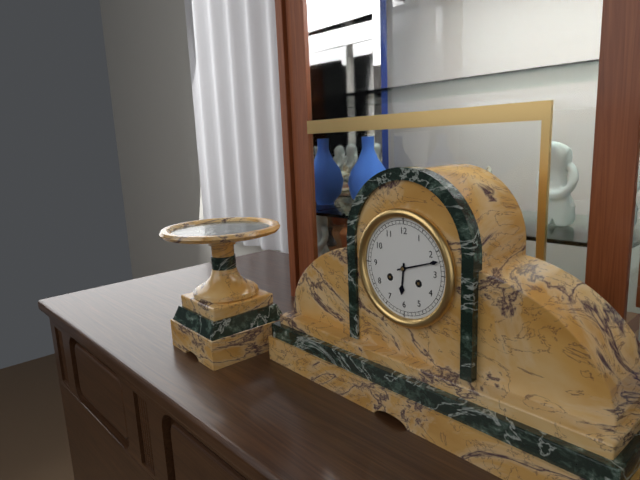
6:12
